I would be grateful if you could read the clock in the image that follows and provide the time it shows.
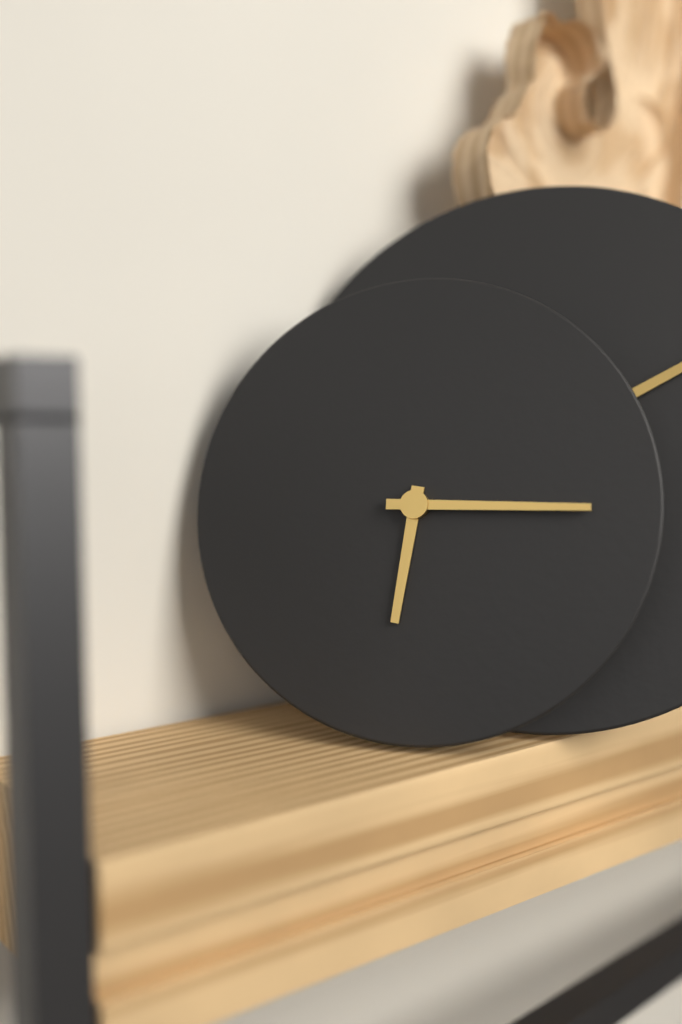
6:15
